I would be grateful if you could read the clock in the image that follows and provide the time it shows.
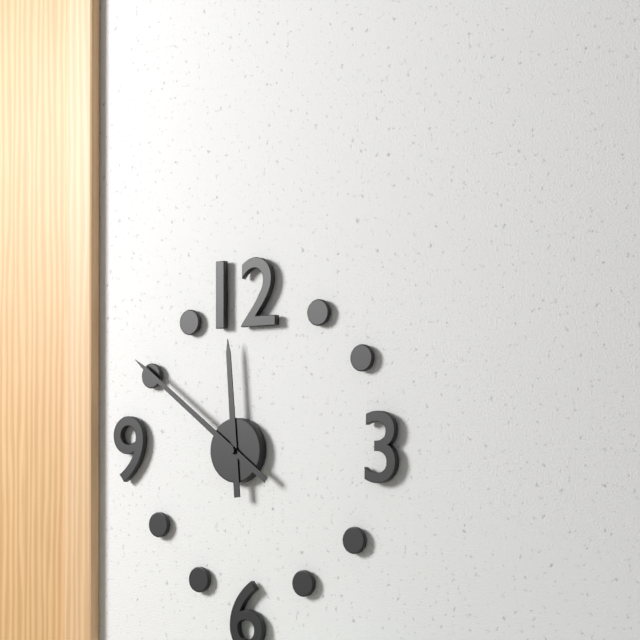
11:51
